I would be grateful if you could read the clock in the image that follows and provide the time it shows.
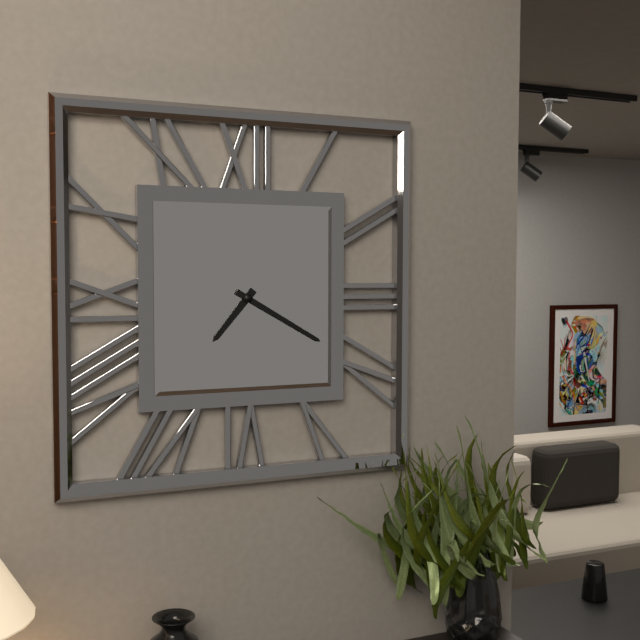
7:20
